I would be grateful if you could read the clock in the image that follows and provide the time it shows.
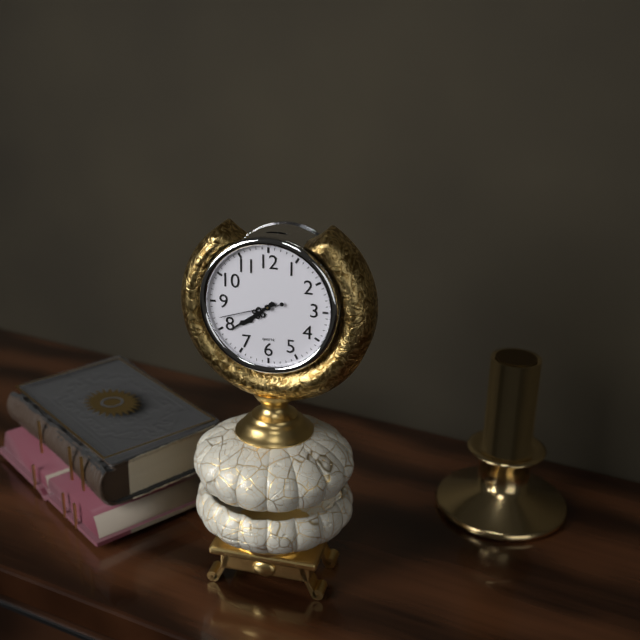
7:39:42
